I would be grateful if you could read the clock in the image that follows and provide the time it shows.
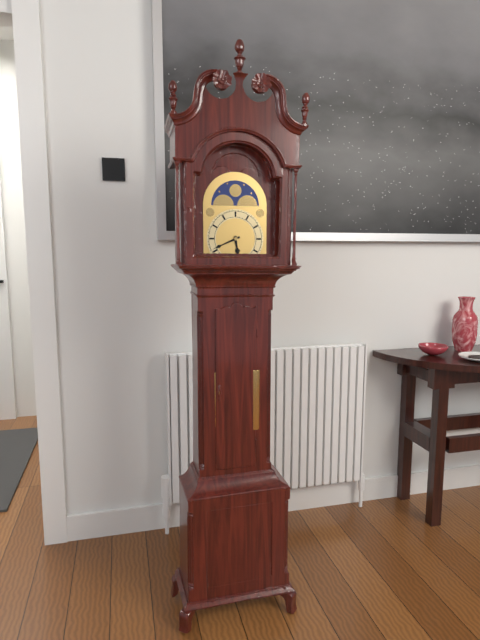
5:41
